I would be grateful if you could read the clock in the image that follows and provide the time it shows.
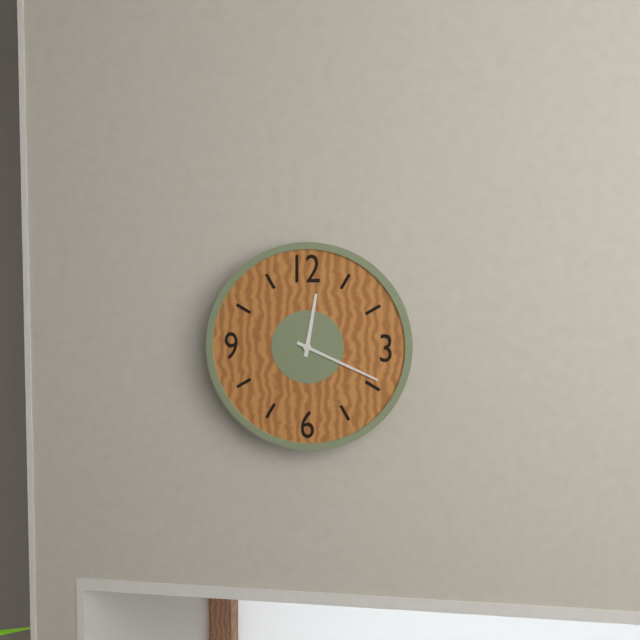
12:19
